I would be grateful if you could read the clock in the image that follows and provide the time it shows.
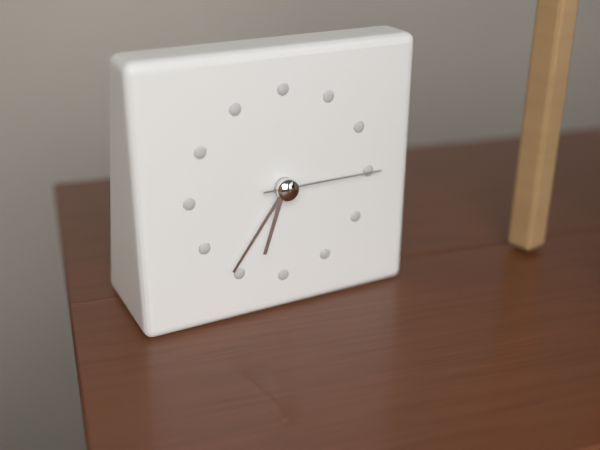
6:36:15
